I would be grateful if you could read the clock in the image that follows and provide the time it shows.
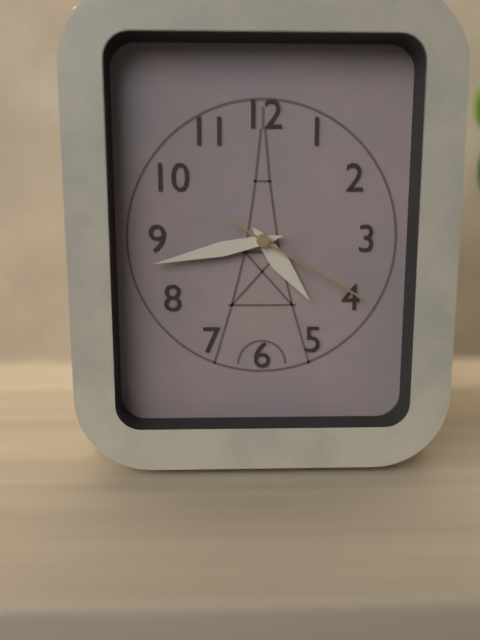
4:43:20
